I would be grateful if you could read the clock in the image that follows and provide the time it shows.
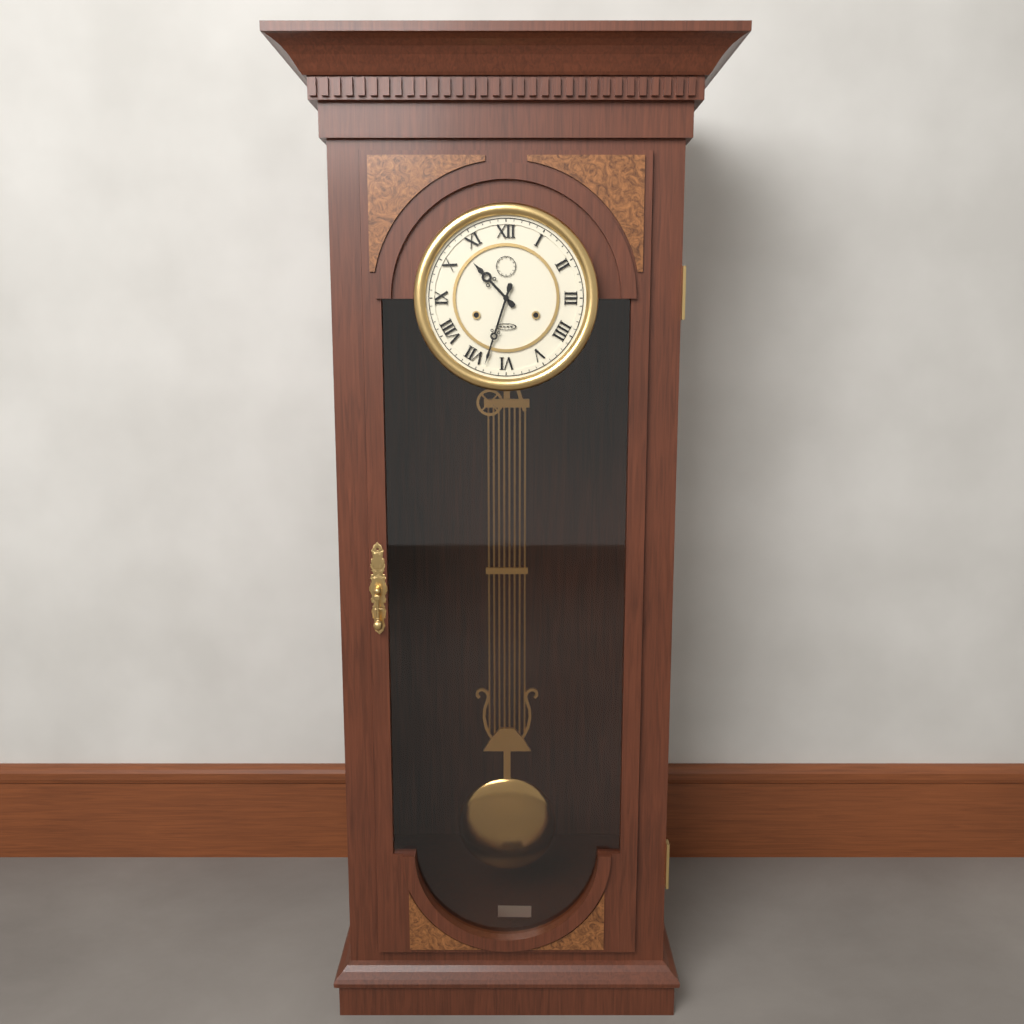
10:33
